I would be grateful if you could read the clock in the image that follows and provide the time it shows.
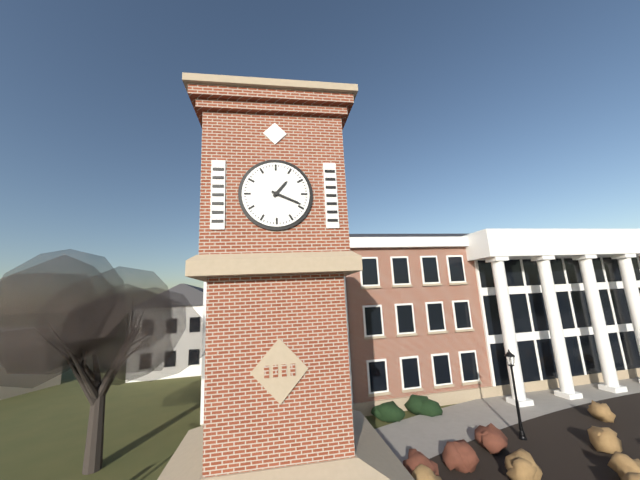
1:19
